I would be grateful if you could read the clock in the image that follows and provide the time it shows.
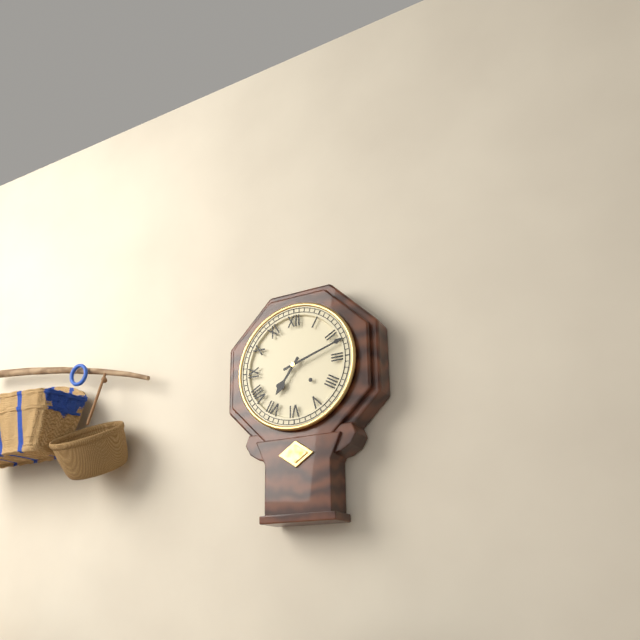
7:12
